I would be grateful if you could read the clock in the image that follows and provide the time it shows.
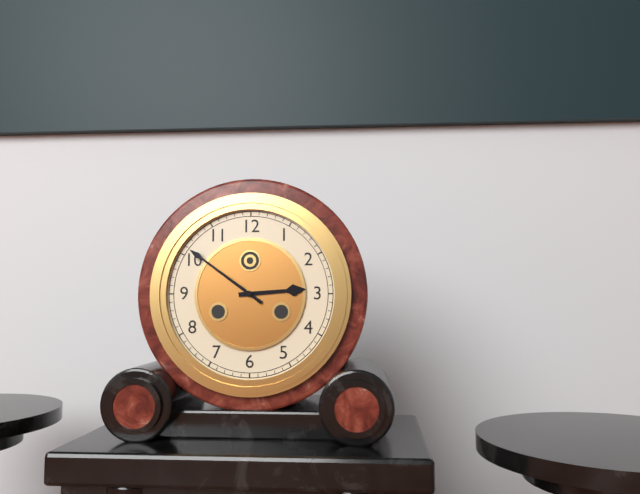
2:51
